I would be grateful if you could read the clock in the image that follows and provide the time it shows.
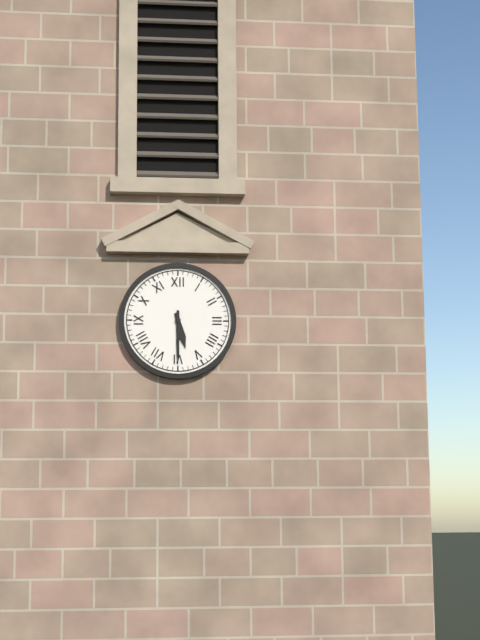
5:30
